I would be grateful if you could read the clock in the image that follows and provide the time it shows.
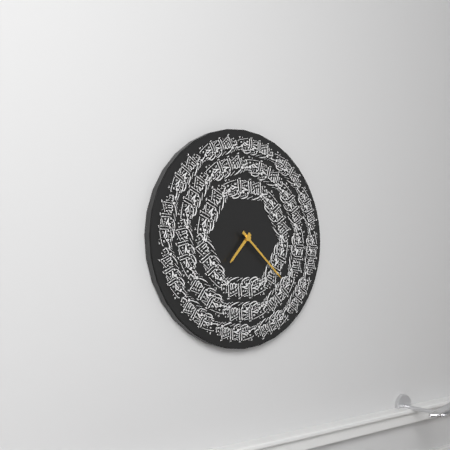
7:22
